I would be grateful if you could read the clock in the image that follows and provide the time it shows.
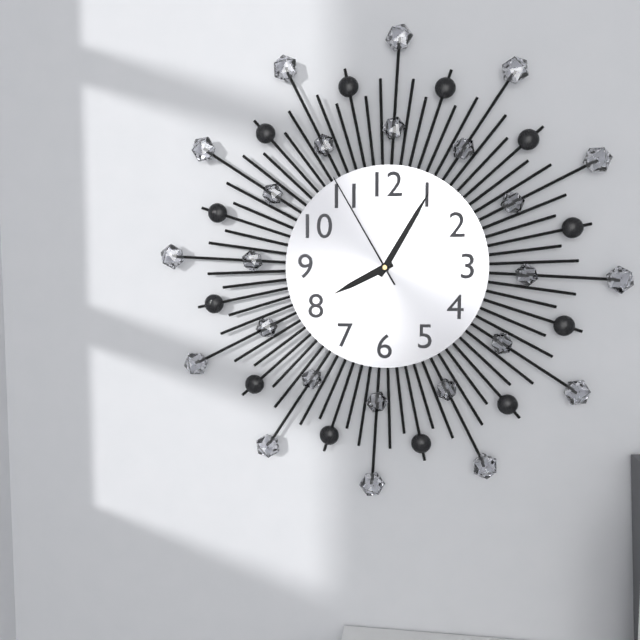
8:05:55
